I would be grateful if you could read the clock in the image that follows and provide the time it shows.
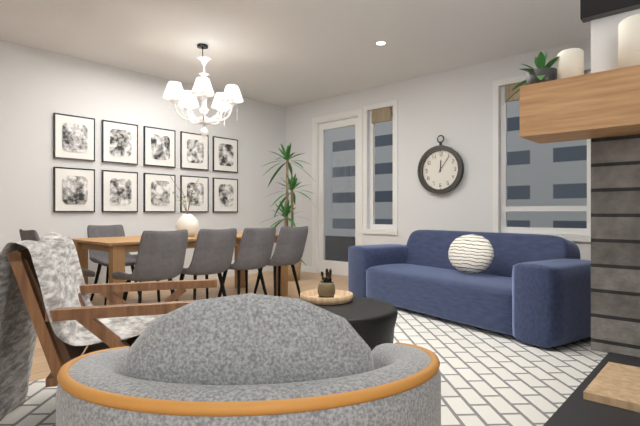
12:06
